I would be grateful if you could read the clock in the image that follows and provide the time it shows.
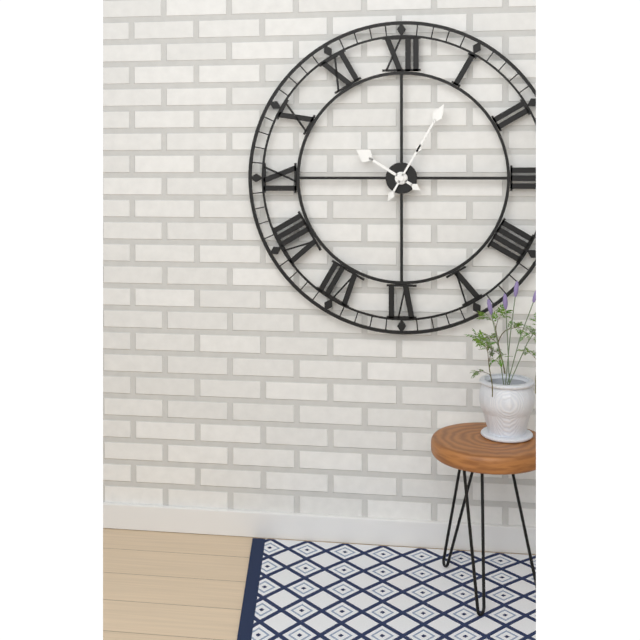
10:05
